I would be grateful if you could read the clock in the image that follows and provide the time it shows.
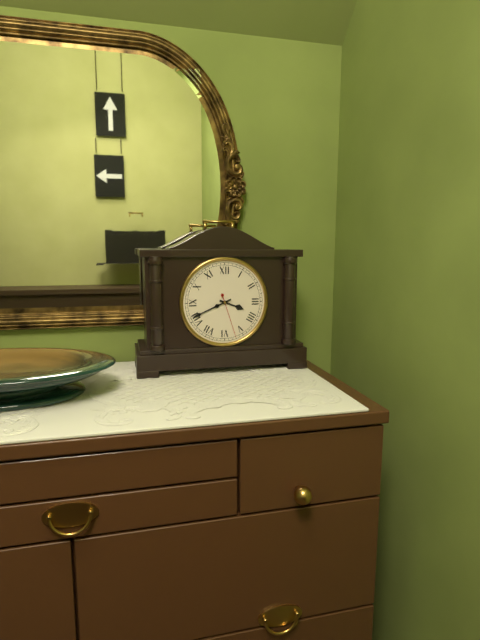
3:41
